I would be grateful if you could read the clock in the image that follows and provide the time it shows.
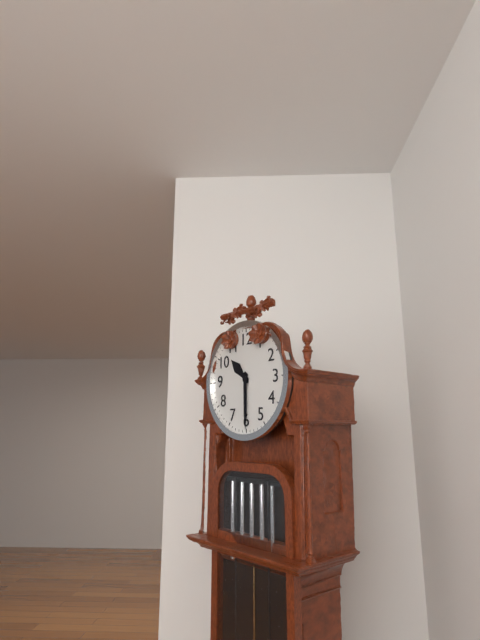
10:30
